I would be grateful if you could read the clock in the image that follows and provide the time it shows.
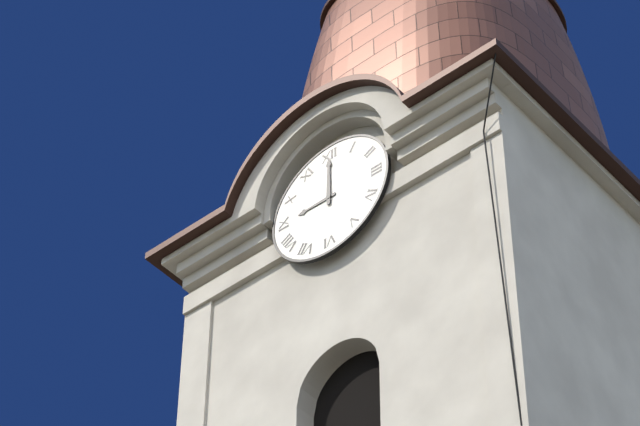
9:00
